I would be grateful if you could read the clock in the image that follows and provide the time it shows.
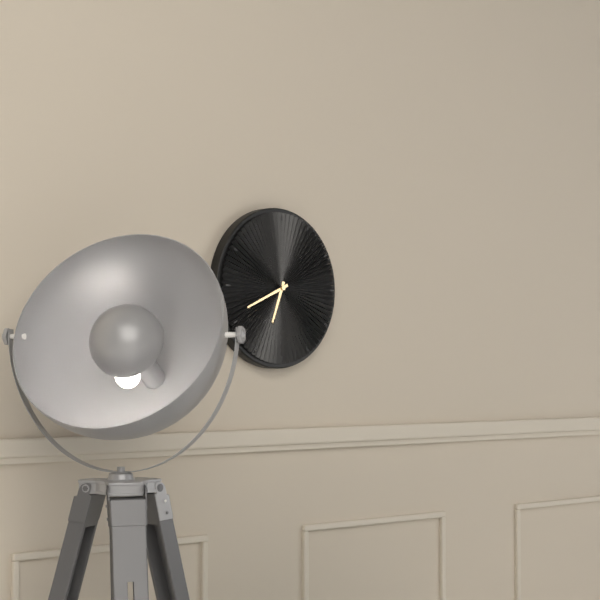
6:41
